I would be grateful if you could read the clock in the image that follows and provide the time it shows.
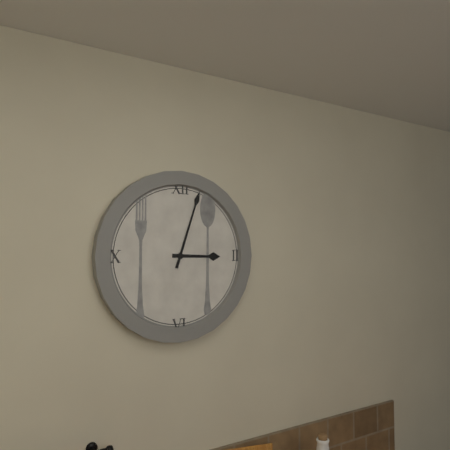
3:03
